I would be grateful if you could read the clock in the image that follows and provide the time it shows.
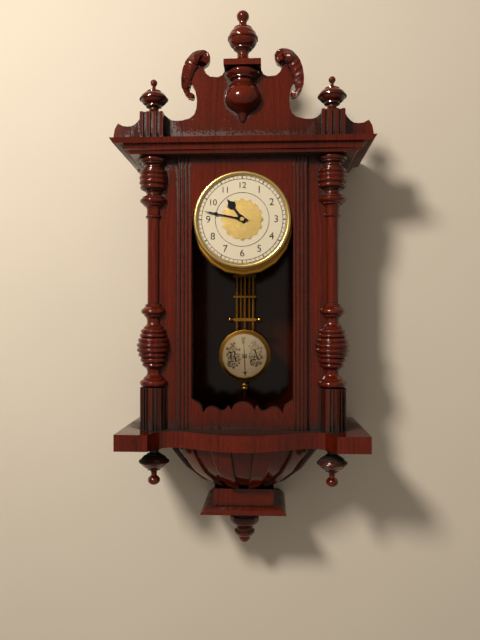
10:47
